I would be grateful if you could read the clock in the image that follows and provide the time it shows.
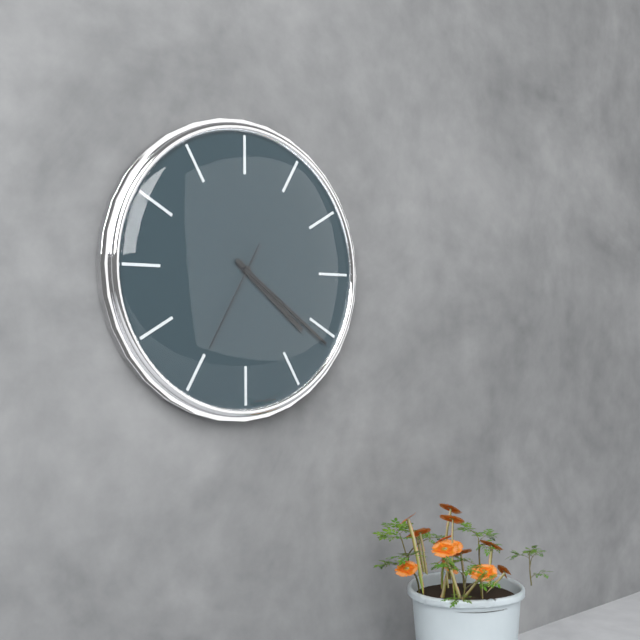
4:21:35
